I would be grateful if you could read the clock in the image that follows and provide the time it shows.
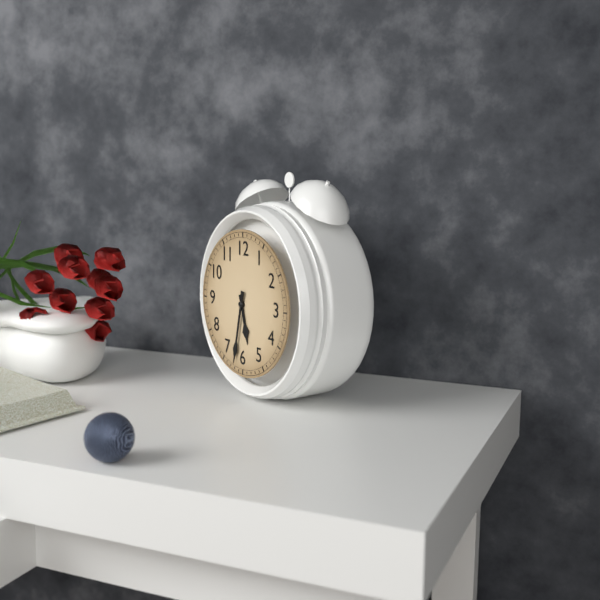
5:32
